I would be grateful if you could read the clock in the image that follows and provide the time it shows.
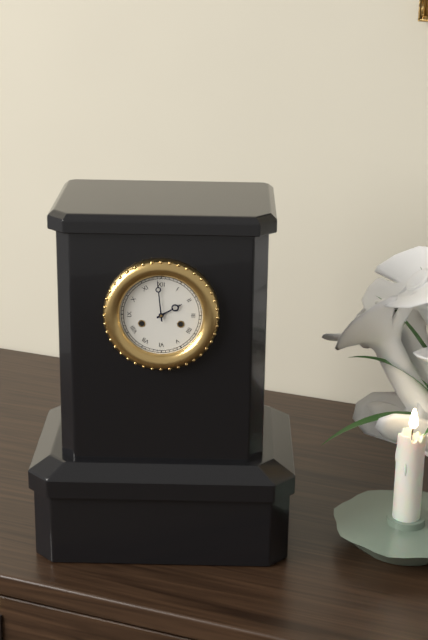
1:59
